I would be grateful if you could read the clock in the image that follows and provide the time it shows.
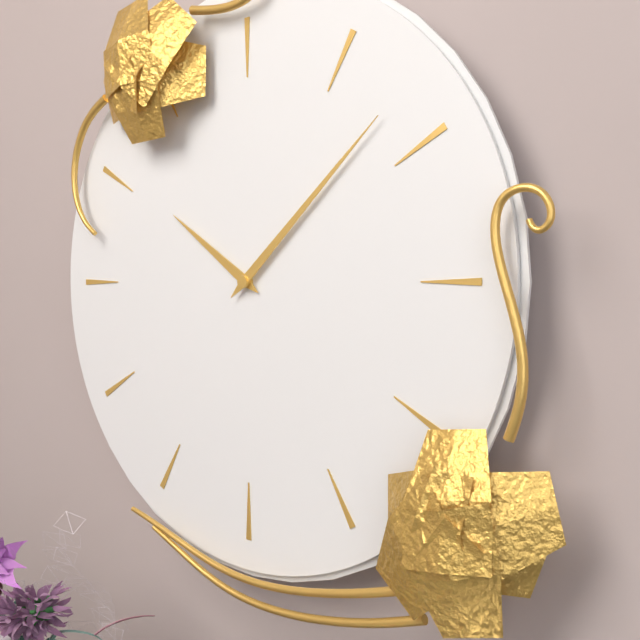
10:08
